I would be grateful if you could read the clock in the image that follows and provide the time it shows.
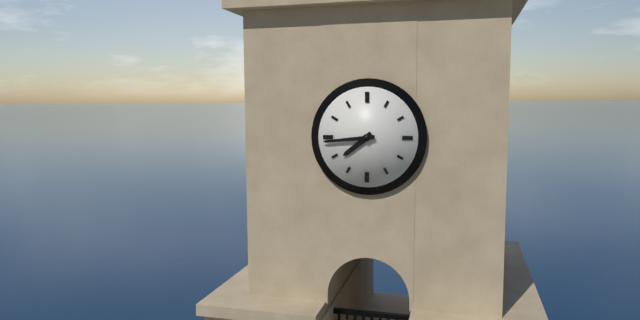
7:44
